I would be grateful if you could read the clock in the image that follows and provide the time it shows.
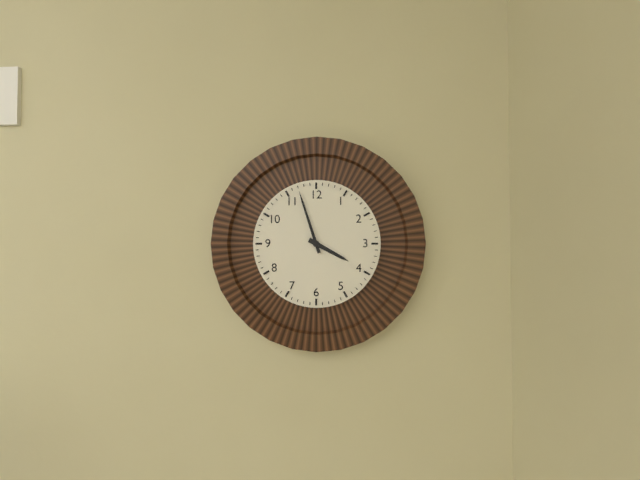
3:57
